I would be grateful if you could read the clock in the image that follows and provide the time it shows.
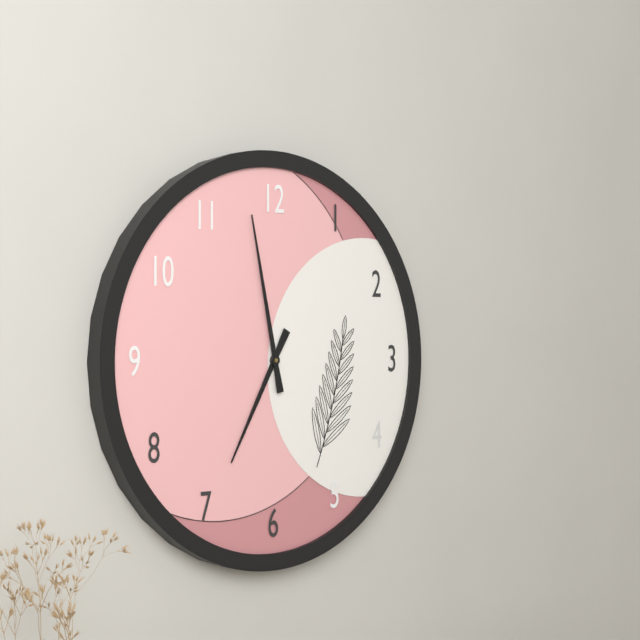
6:58
